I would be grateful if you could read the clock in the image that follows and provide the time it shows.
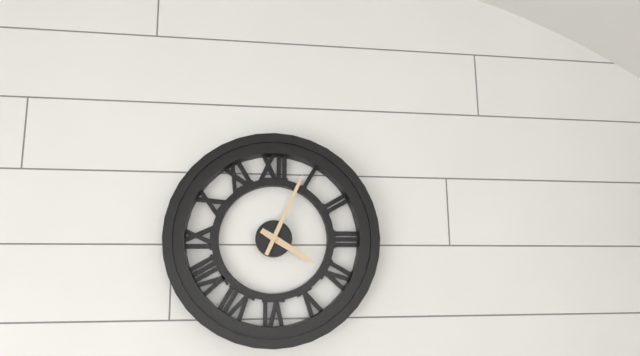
4:04
